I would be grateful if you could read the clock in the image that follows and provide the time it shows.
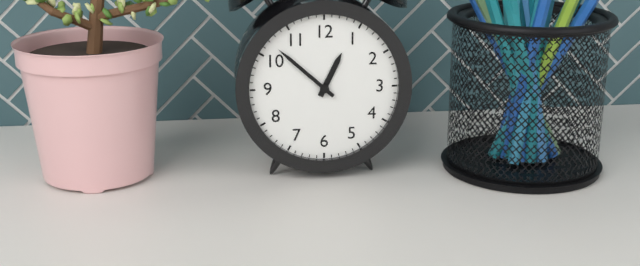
12:52
